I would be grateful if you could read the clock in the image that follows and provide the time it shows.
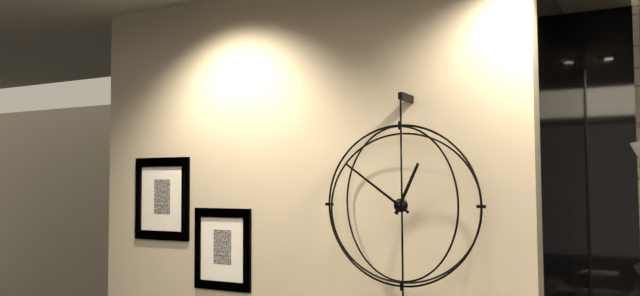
12:51
